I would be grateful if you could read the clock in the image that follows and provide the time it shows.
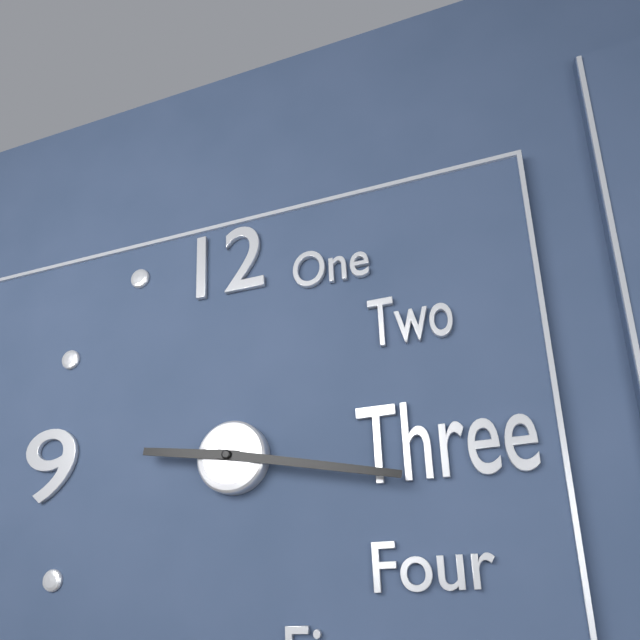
9:17
